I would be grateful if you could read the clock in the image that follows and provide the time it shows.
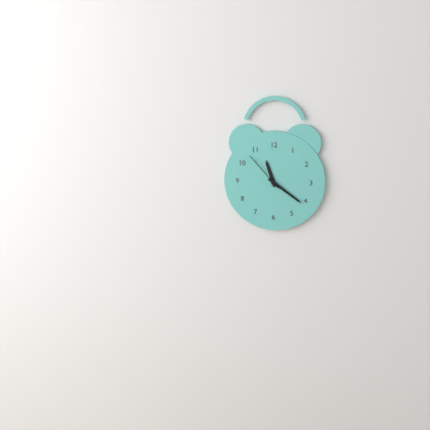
11:21
